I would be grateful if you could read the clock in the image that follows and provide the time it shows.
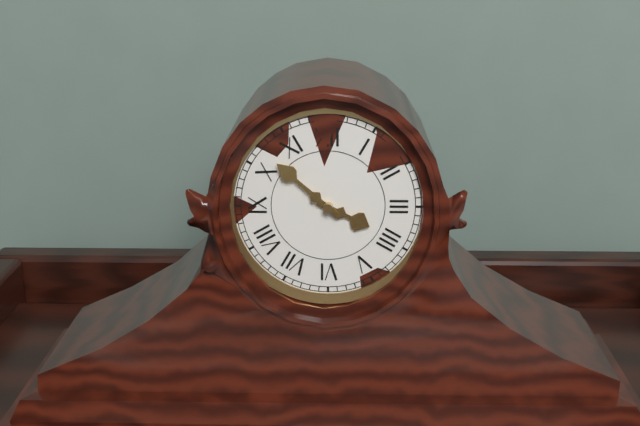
3:52
